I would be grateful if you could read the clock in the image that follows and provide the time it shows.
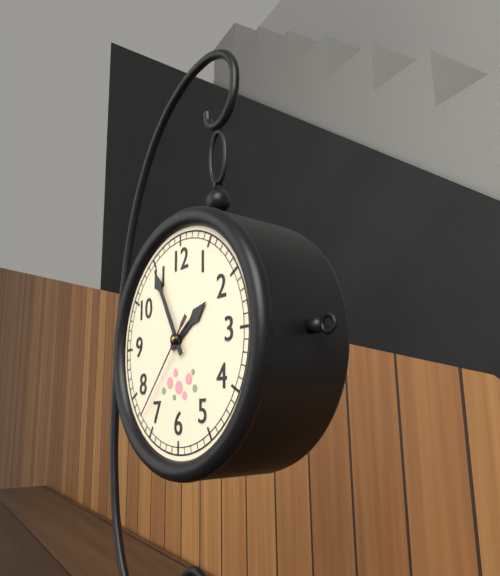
1:55:37
